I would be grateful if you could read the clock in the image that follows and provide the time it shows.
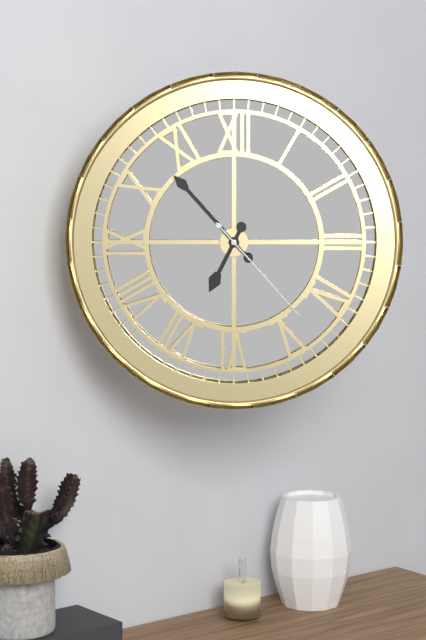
6:53:23
